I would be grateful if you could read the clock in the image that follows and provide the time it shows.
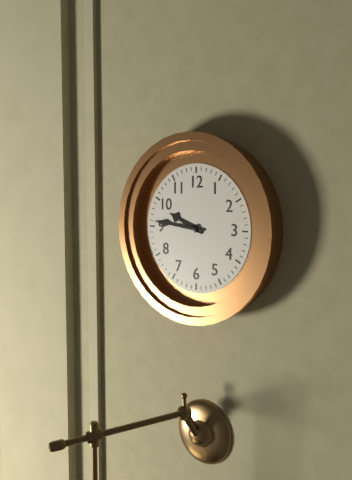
9:46
